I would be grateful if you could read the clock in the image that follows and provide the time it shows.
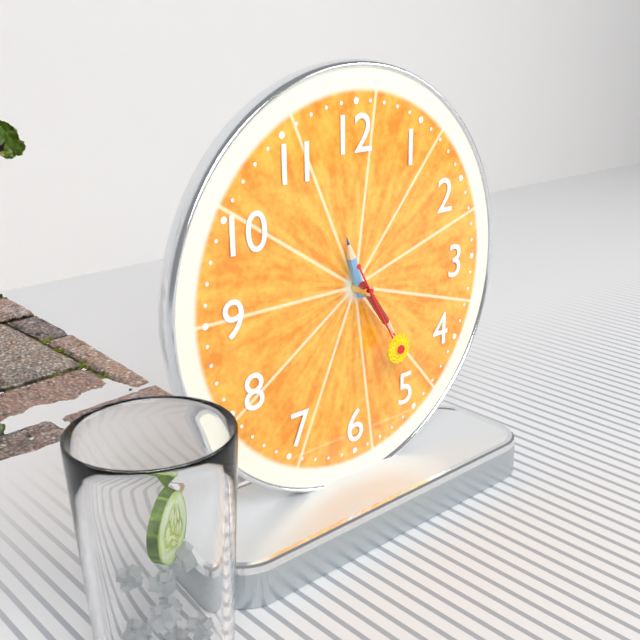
11:24:25
